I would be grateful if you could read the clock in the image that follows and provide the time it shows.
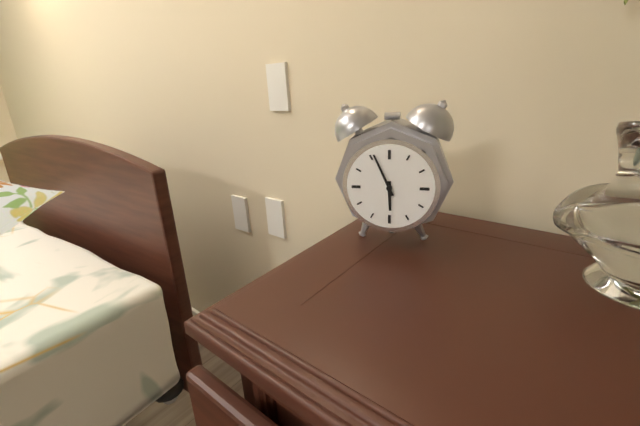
5:56
